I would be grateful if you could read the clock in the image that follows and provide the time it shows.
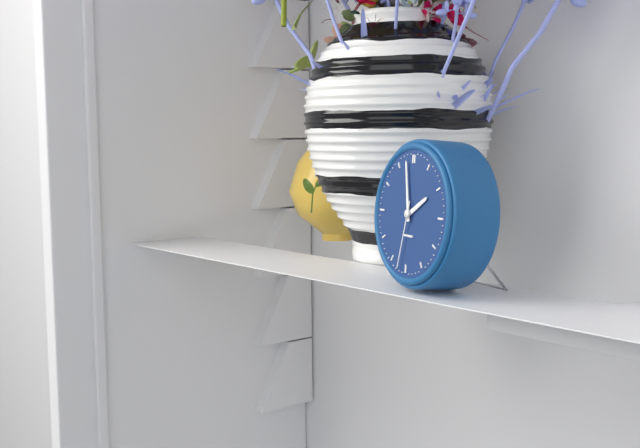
1:58:32
